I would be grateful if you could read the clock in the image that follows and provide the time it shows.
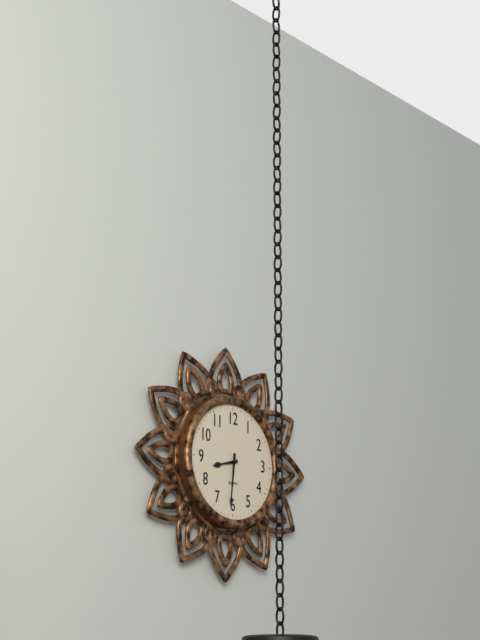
8:31
